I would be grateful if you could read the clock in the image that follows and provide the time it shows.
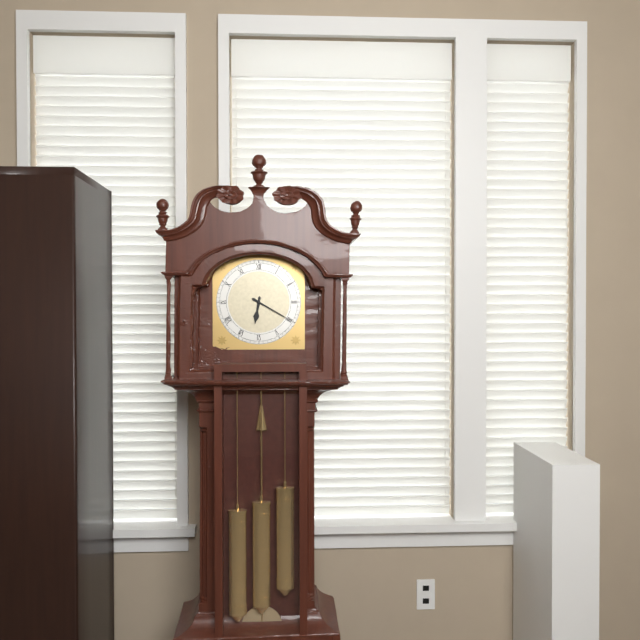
6:20
